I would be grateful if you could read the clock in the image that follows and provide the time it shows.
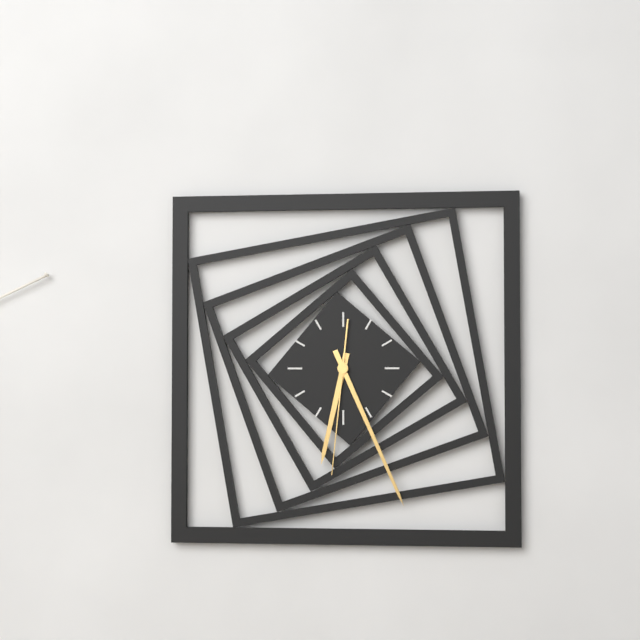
6:26:31
